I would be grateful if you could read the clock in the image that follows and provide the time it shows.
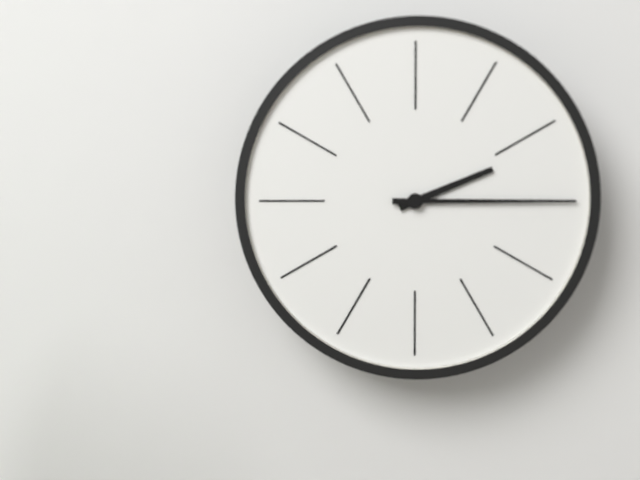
2:15
